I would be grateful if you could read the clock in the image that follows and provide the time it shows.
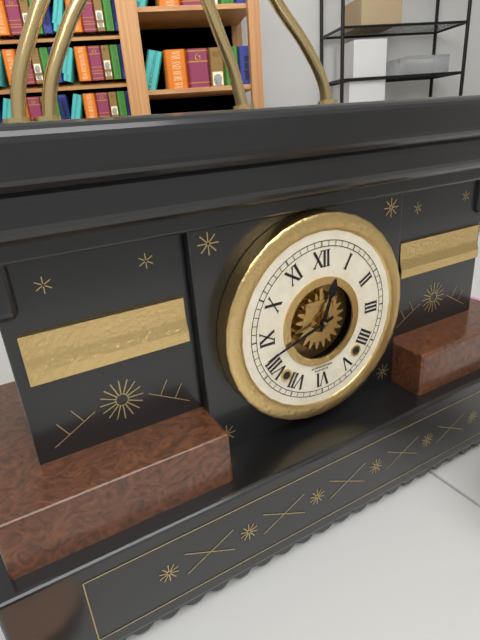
12:42
